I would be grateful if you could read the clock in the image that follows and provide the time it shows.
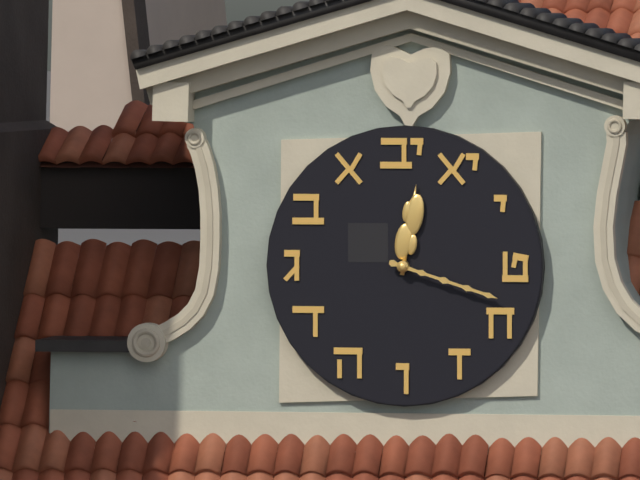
12:18
